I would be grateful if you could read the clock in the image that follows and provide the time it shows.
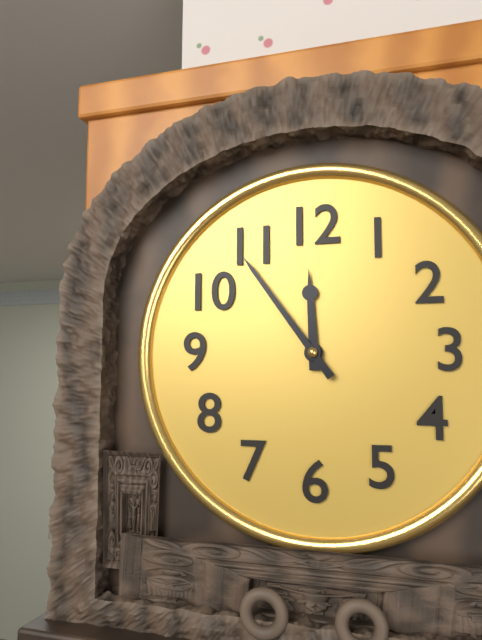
11:54
